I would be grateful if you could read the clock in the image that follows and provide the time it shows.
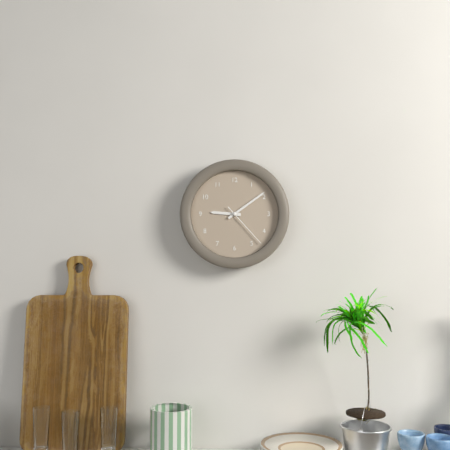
9:09
